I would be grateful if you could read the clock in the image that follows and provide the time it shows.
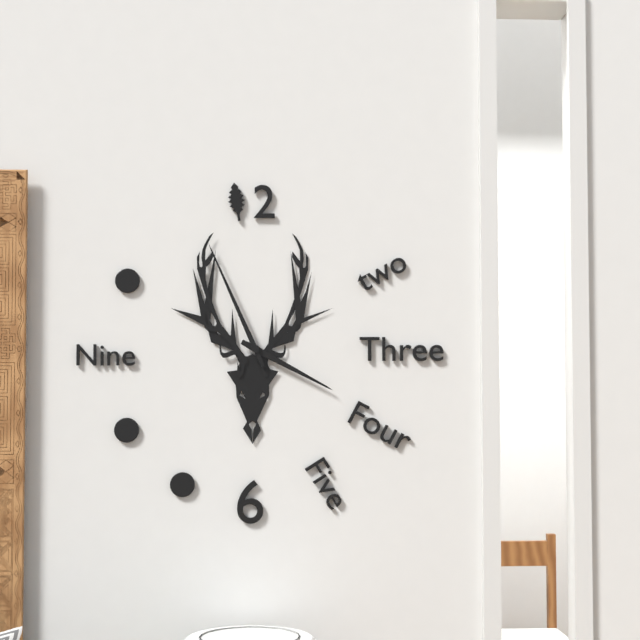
3:56
